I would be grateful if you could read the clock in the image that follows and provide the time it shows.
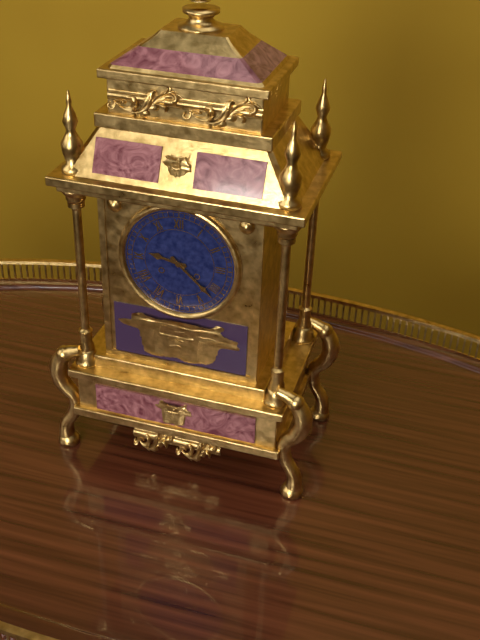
9:22
